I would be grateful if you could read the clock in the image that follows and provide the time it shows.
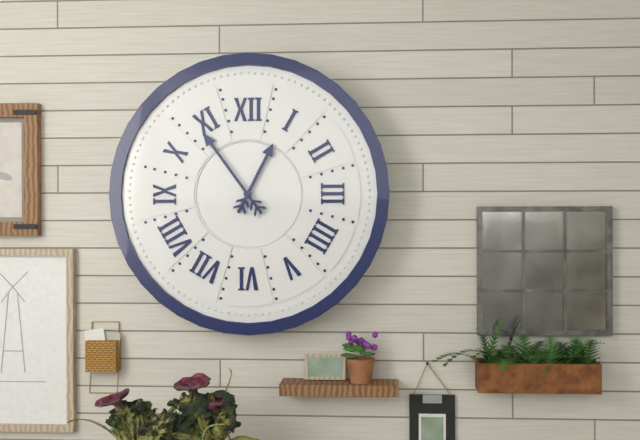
12:54
